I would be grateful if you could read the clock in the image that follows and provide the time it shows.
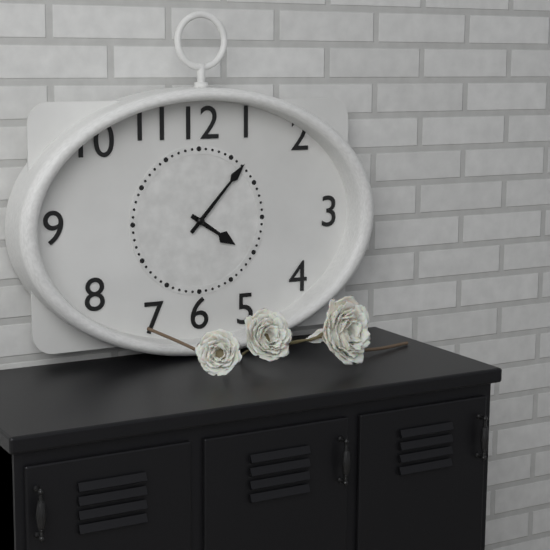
4:07
